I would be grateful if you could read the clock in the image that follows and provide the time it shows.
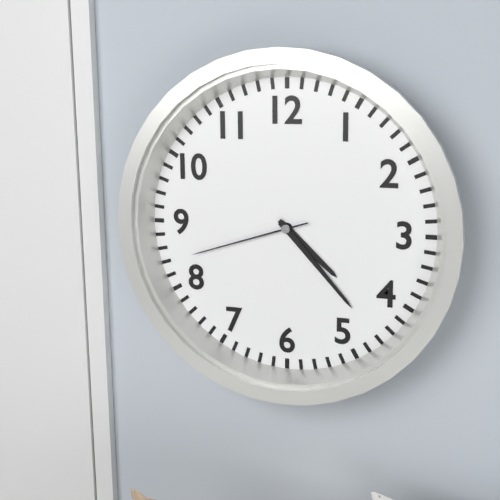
4:23:42
